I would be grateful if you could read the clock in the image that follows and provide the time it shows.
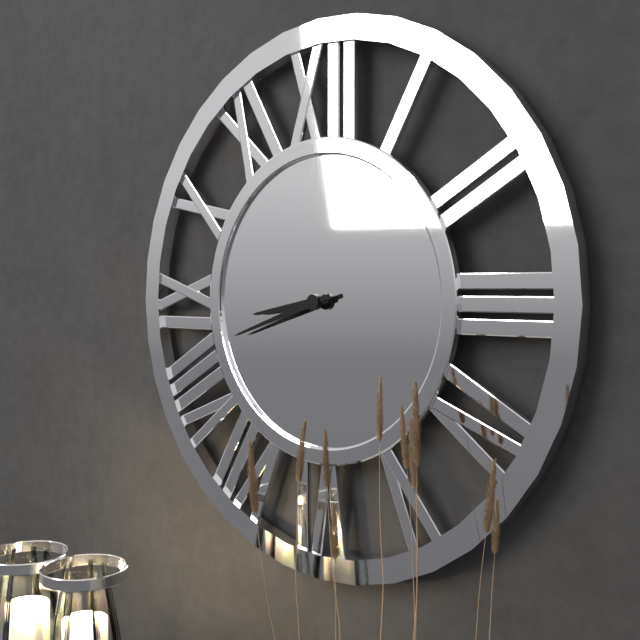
8:42
